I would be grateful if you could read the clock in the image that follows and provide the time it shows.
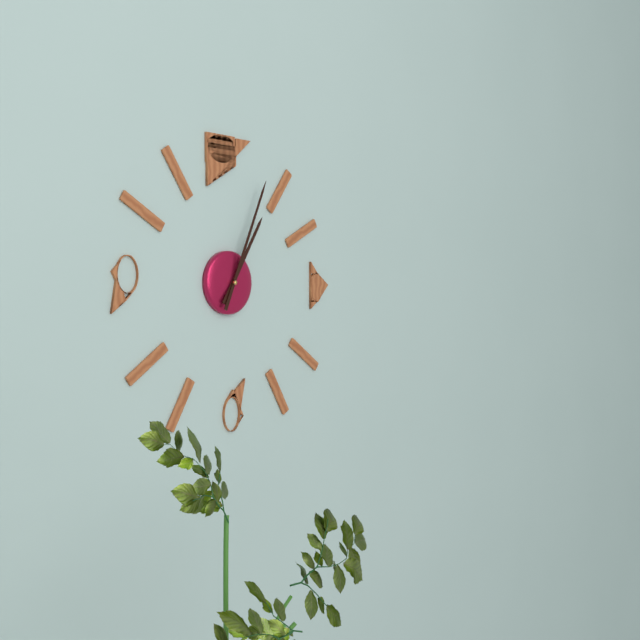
1:04
